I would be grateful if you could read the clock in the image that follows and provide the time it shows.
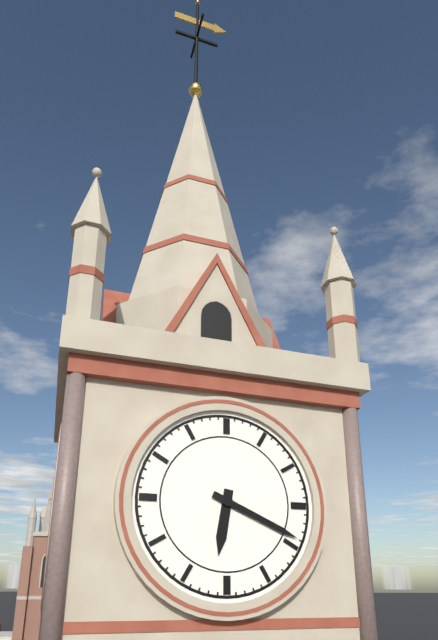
6:19
